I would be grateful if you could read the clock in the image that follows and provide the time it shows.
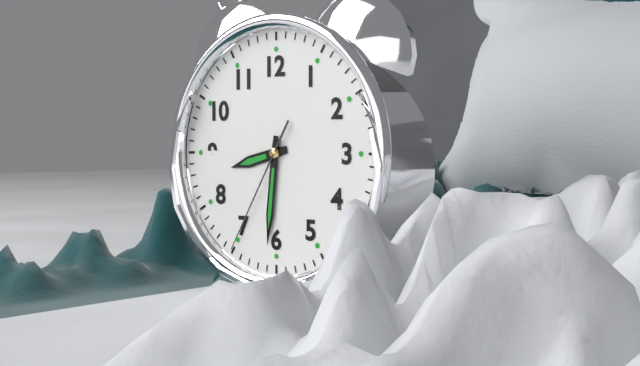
8:31:35
